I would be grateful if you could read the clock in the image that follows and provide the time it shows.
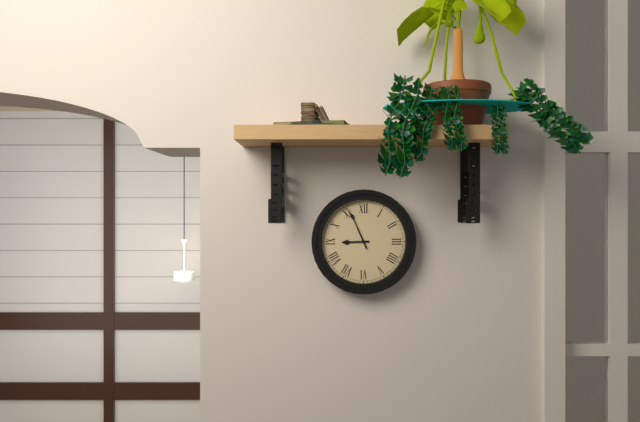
8:56
